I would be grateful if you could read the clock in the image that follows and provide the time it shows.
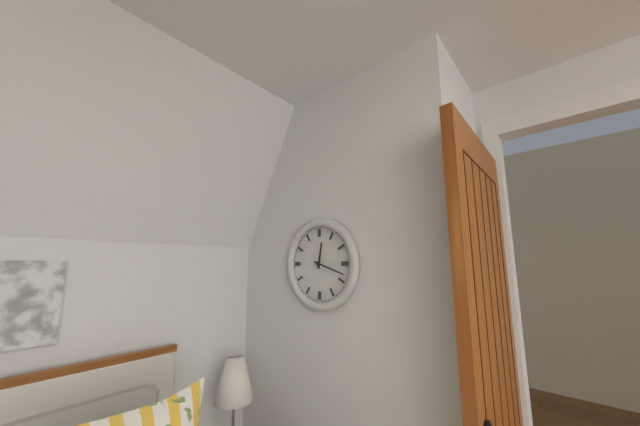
12:18
